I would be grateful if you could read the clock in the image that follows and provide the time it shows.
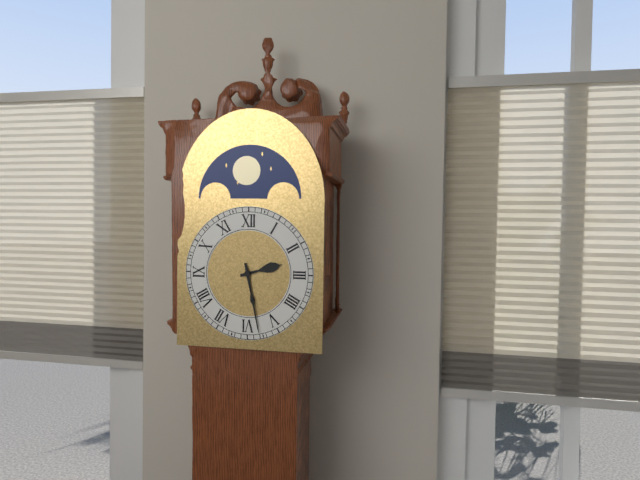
2:28
